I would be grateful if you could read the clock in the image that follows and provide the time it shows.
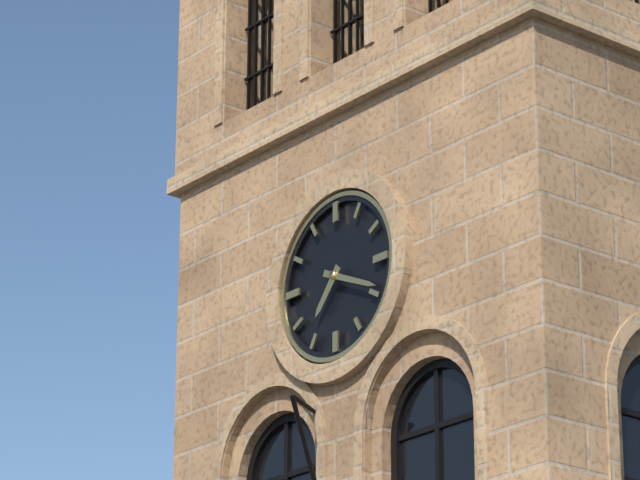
7:19
